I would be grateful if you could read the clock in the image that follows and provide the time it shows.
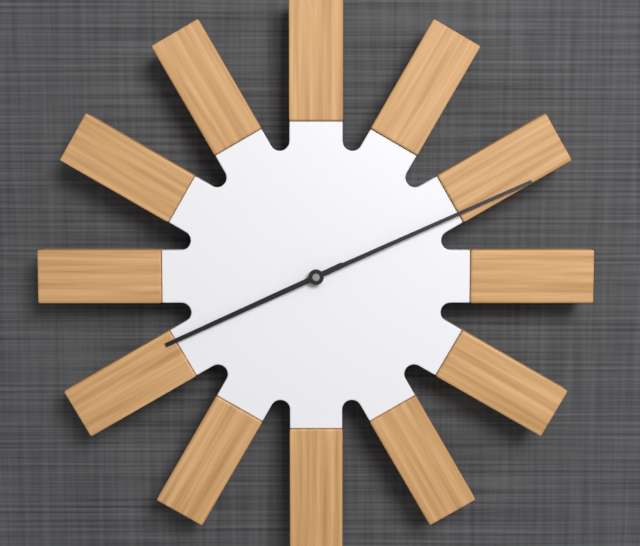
8:11
